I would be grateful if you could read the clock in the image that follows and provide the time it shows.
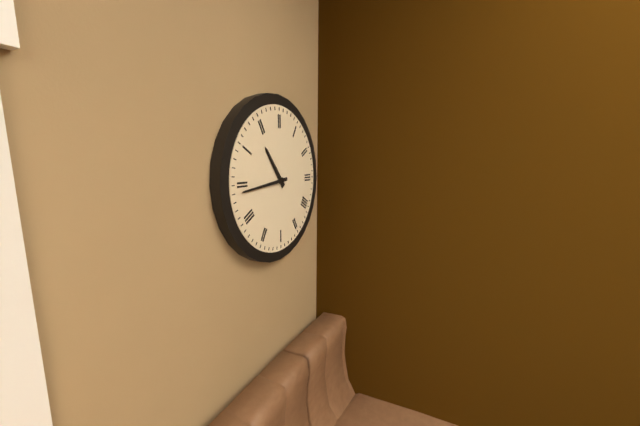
10:44
